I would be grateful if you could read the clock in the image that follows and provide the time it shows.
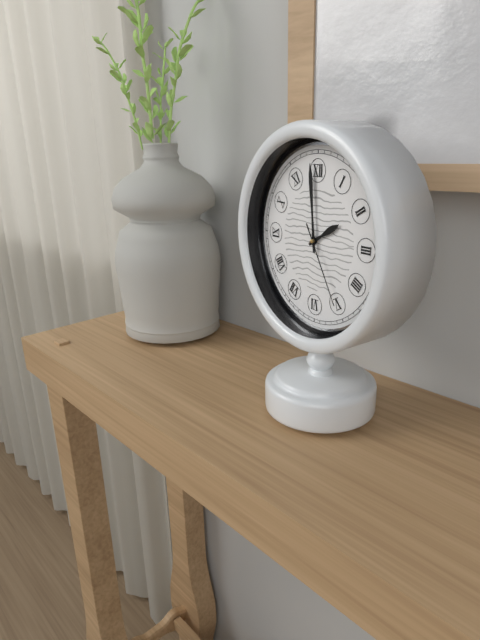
1:59:25
